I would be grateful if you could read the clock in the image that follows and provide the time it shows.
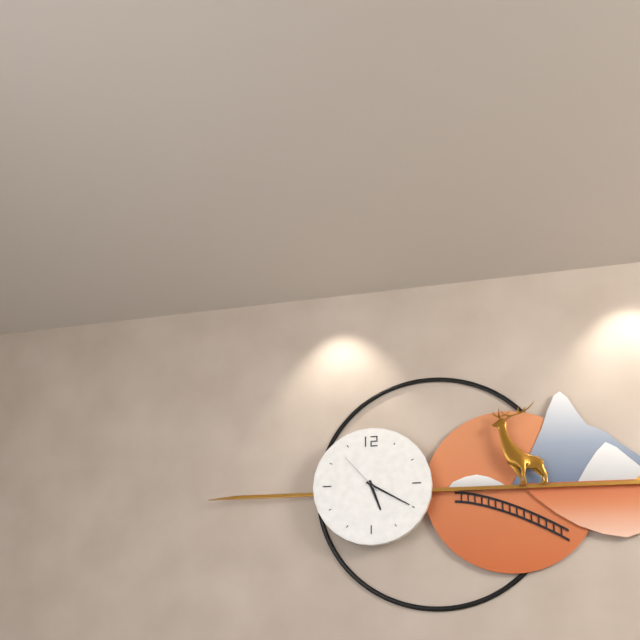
5:20
